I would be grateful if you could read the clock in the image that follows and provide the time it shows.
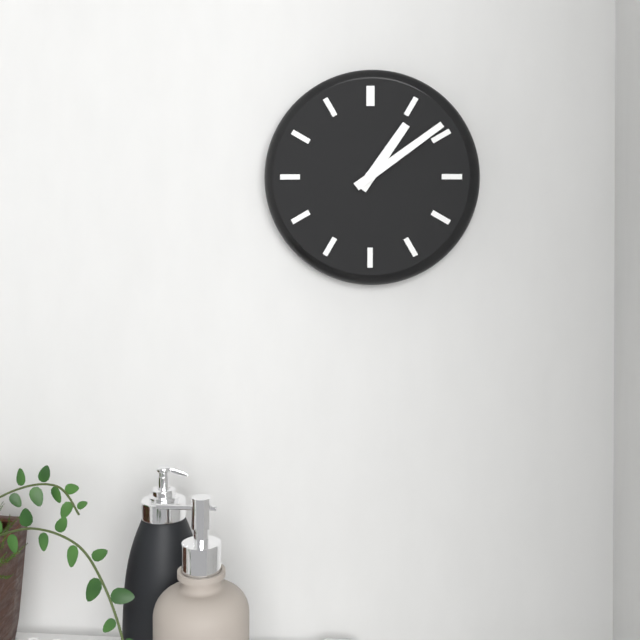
1:09
